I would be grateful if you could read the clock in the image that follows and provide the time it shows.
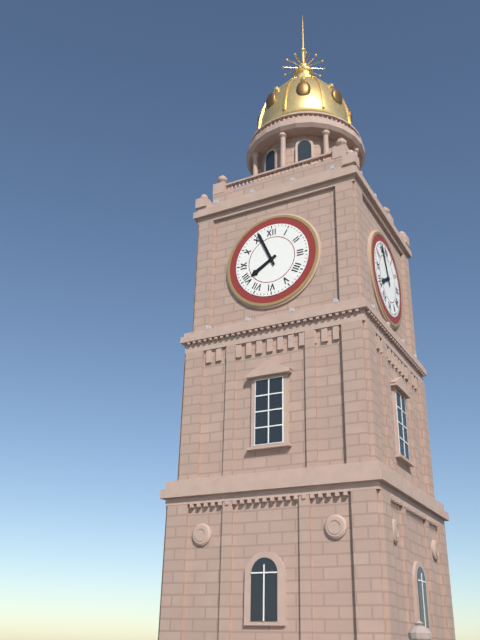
7:56
